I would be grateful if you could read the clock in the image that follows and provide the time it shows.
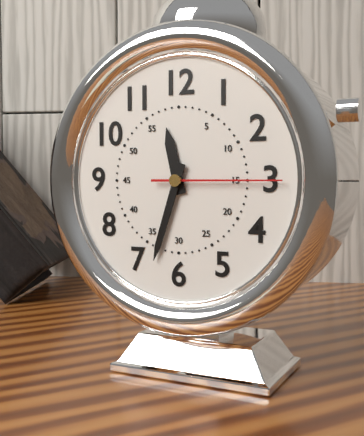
11:33:15
